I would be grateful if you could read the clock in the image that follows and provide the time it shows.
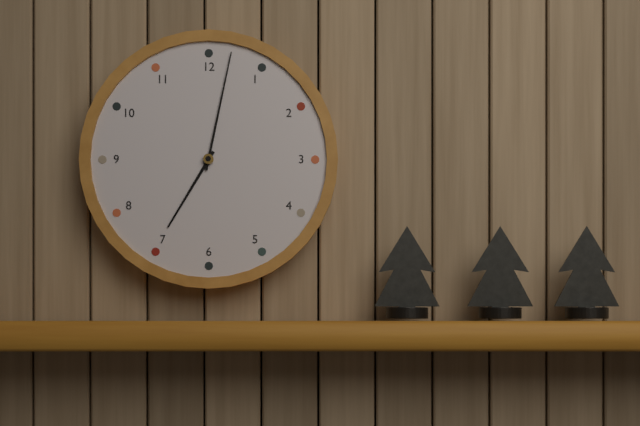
7:02
